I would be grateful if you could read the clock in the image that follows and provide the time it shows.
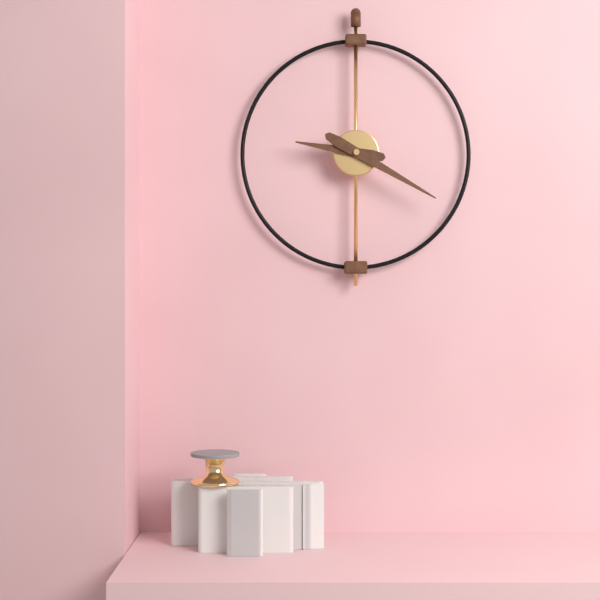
9:20
